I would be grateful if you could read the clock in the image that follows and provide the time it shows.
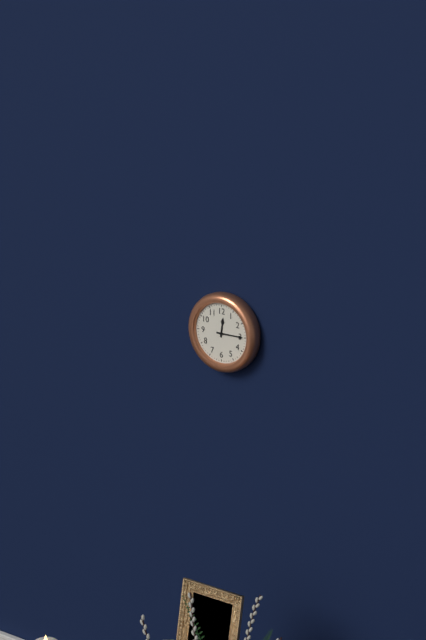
12:15
